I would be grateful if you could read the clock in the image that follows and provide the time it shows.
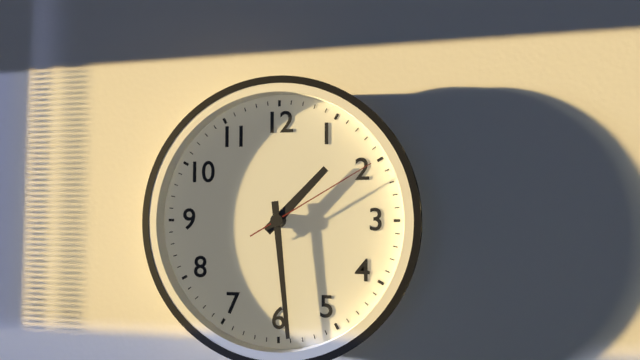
1:29:10
